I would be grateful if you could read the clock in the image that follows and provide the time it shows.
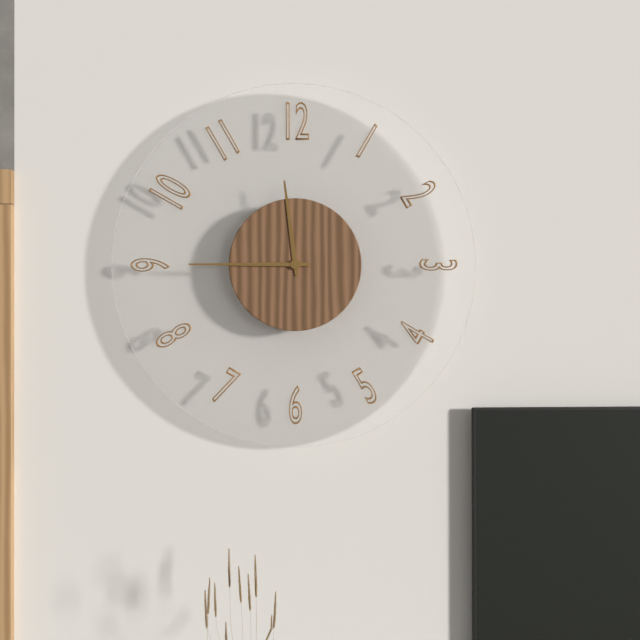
11:45
